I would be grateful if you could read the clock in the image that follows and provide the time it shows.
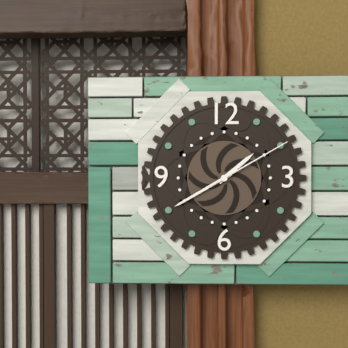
1:40:10
